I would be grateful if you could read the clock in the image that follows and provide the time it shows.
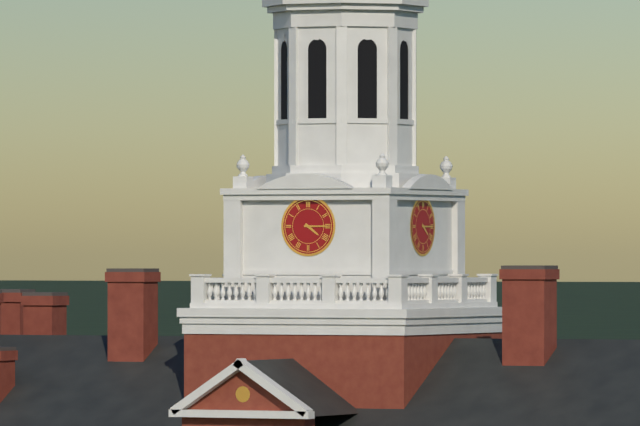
4:15
